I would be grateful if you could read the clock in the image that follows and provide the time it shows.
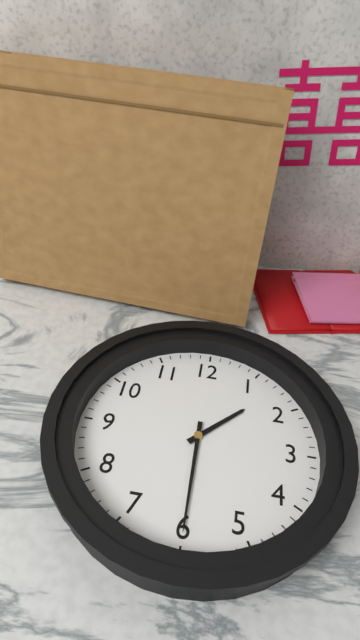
1:30
